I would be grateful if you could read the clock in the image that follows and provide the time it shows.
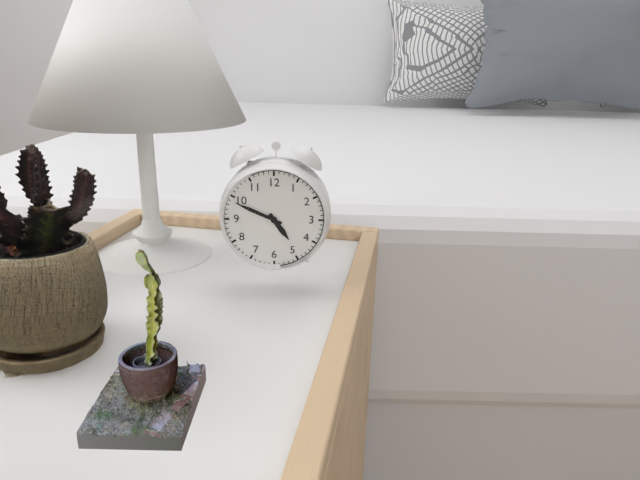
4:49
